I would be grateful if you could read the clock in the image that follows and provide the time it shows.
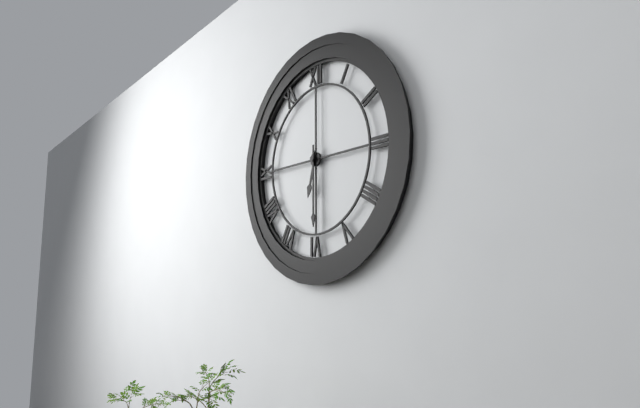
6:30
